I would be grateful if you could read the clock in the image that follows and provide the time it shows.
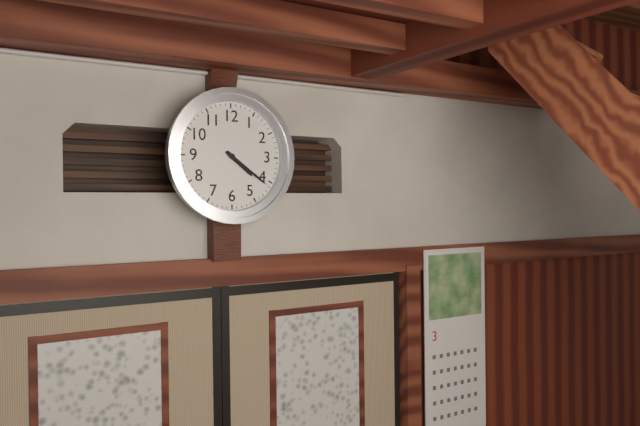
4:21
